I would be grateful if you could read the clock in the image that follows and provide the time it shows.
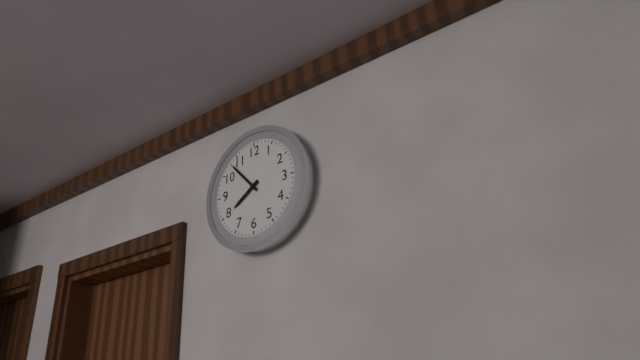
7:53
